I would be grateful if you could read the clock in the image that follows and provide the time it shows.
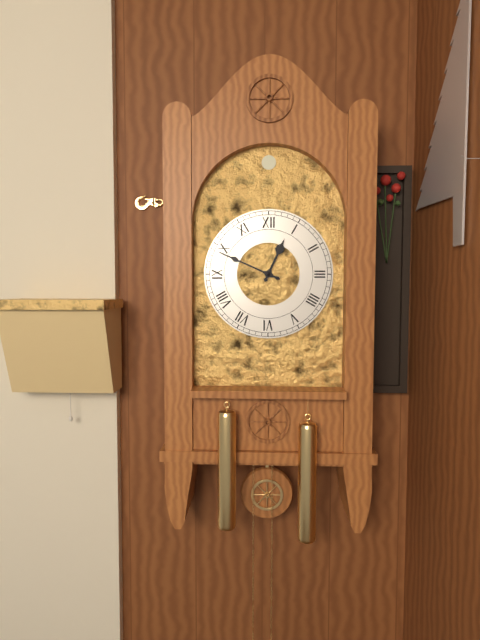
12:49
